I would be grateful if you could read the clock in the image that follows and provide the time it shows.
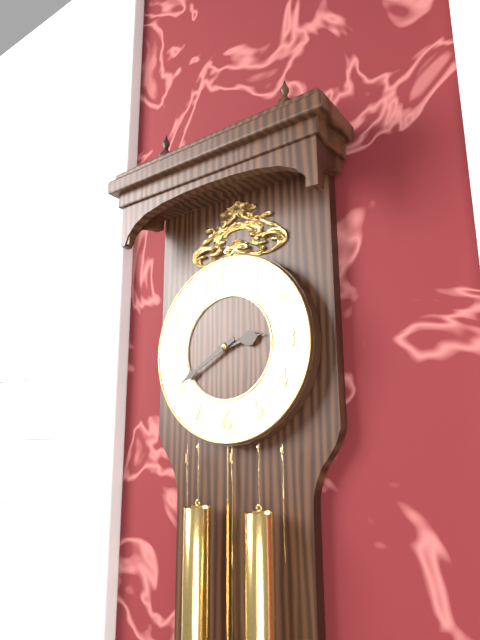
2:40
